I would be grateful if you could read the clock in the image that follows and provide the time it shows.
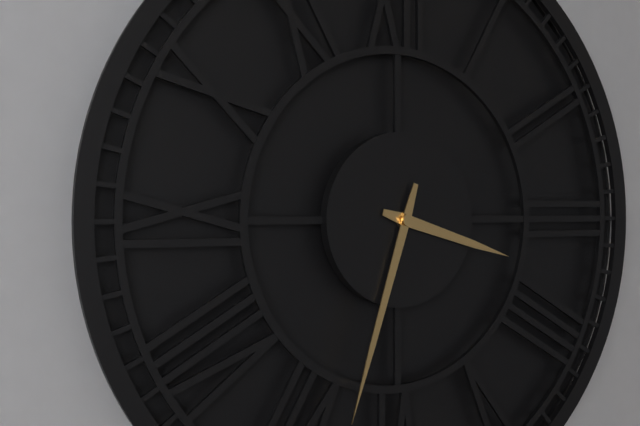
3:33
